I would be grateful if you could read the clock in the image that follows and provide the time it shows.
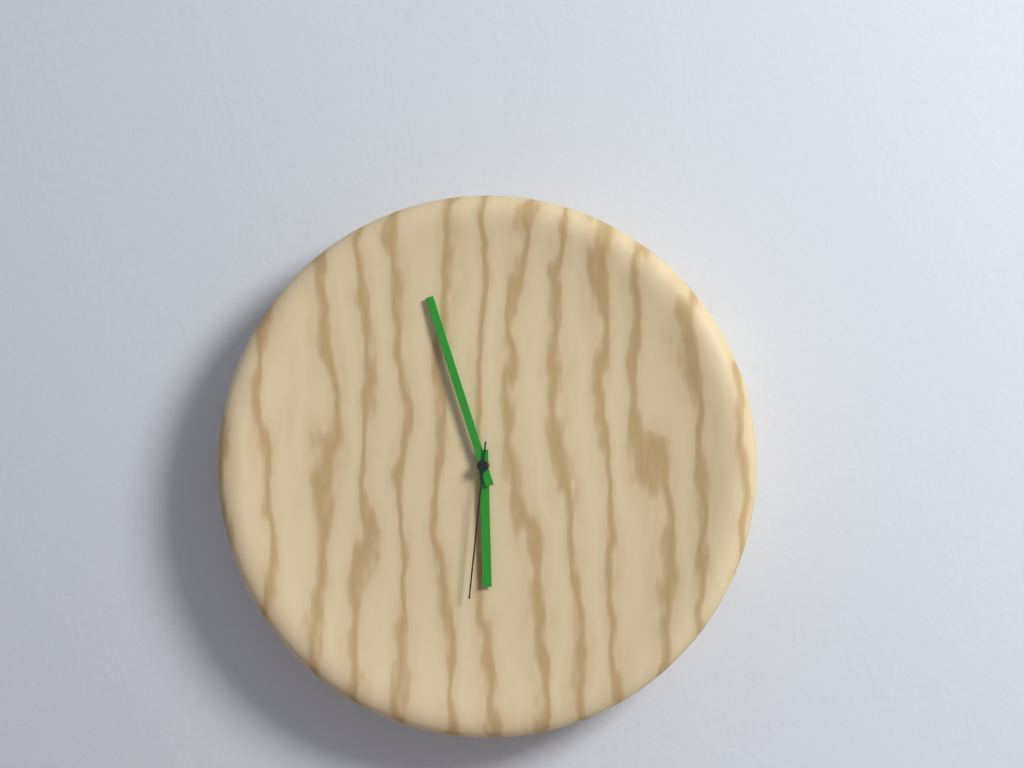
5:57:31
